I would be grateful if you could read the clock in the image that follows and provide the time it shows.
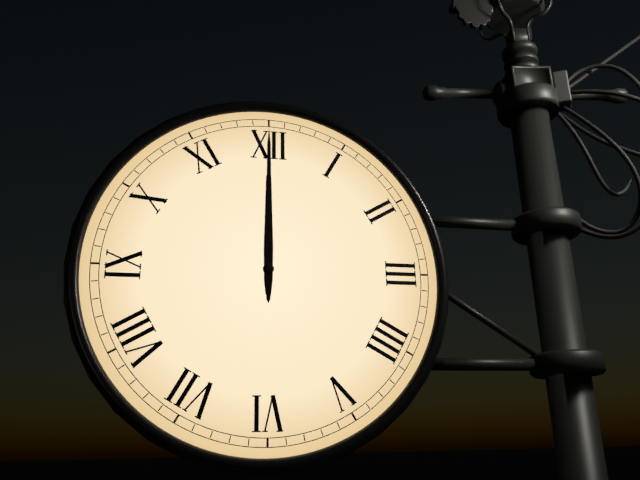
12:00
